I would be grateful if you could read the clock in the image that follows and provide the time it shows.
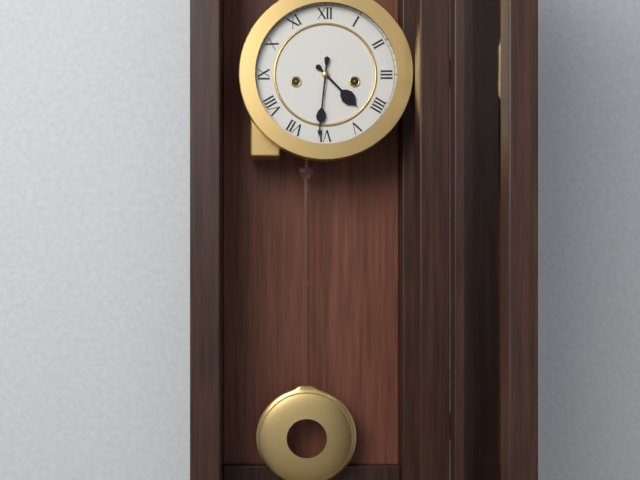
4:31
